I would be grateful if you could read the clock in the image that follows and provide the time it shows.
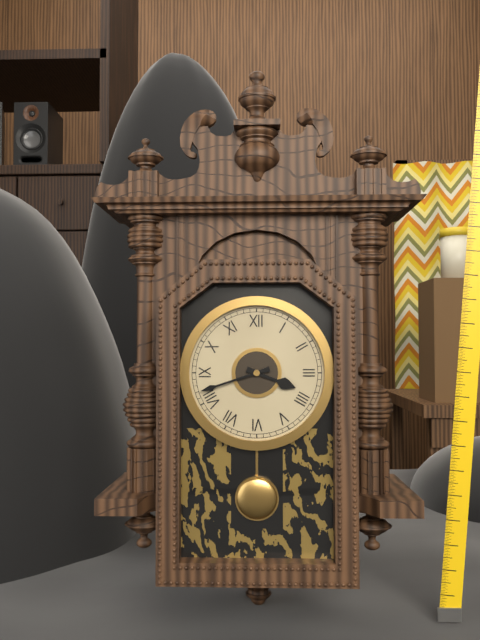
3:42
